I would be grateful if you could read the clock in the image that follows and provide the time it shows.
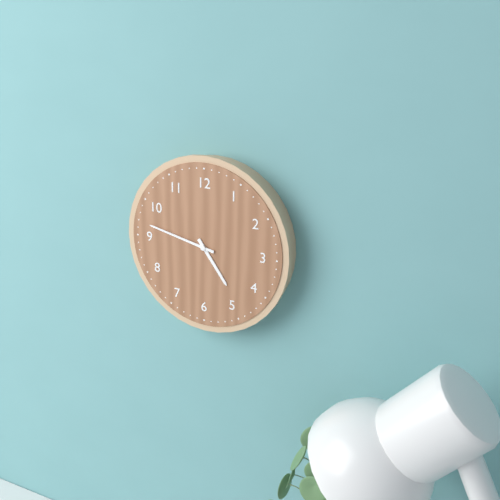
4:47
